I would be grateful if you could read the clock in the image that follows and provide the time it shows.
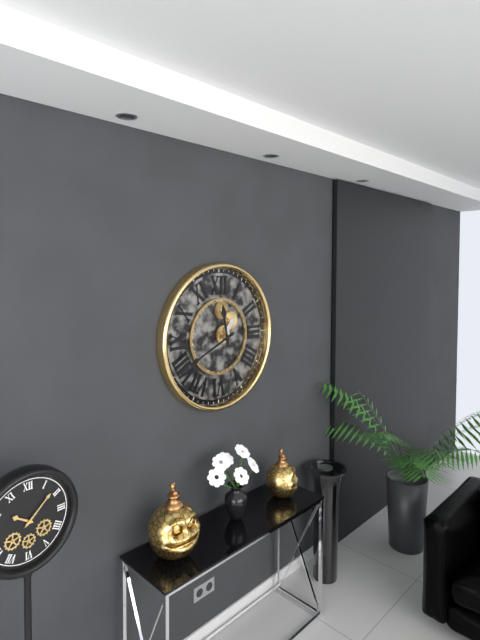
11:41
